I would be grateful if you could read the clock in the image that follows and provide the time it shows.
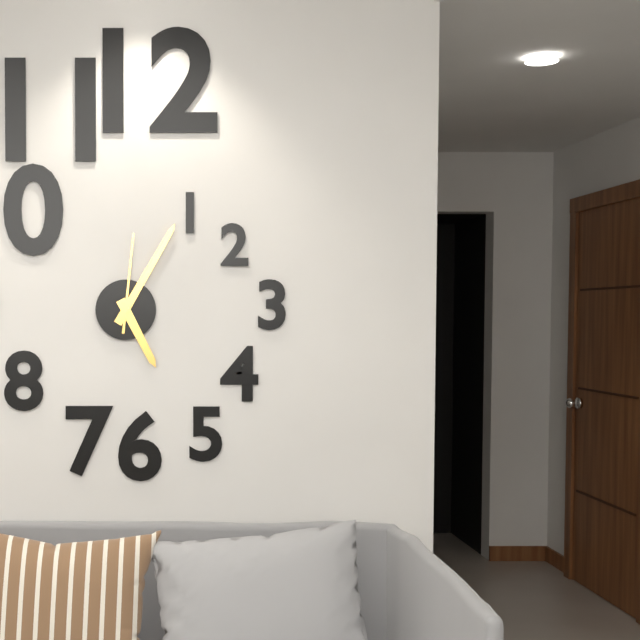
5:05:01
